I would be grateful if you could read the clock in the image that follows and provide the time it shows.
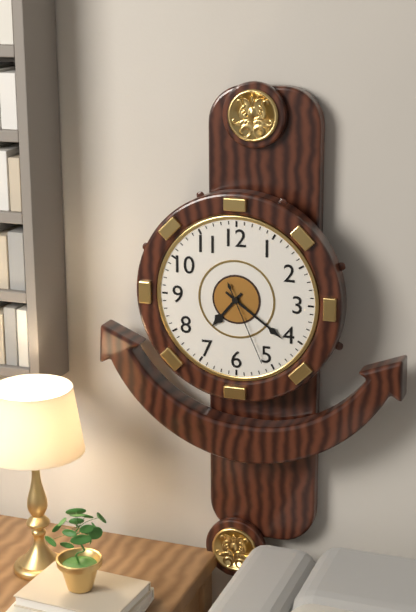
7:21:26
